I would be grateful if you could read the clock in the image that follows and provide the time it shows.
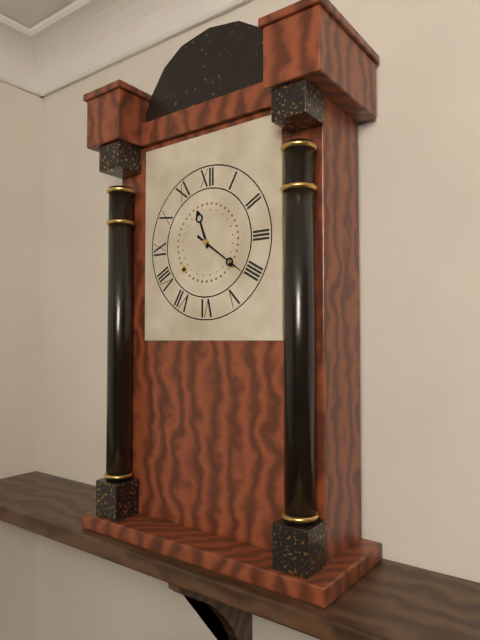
11:21
